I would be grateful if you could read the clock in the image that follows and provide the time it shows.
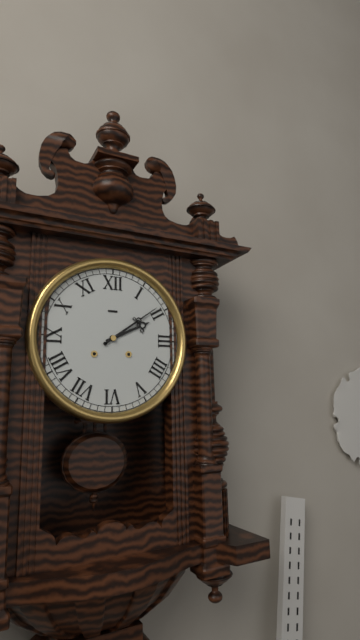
2:09
